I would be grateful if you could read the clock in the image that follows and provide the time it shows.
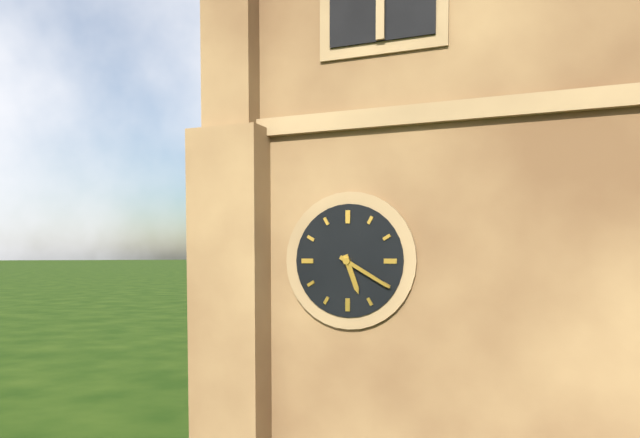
5:20
